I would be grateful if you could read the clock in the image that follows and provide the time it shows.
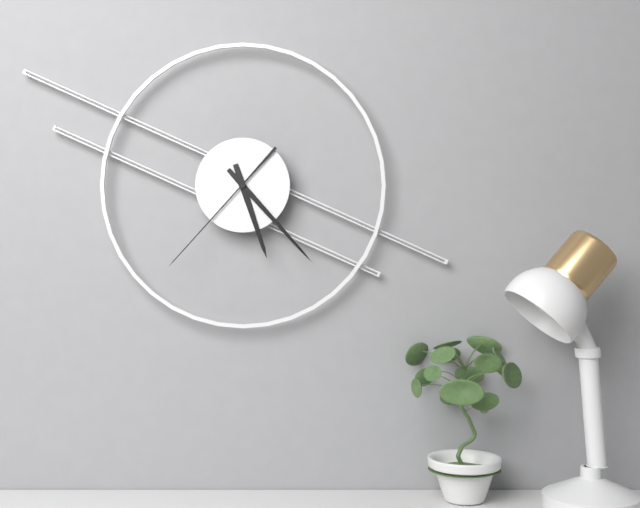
5:23:37
